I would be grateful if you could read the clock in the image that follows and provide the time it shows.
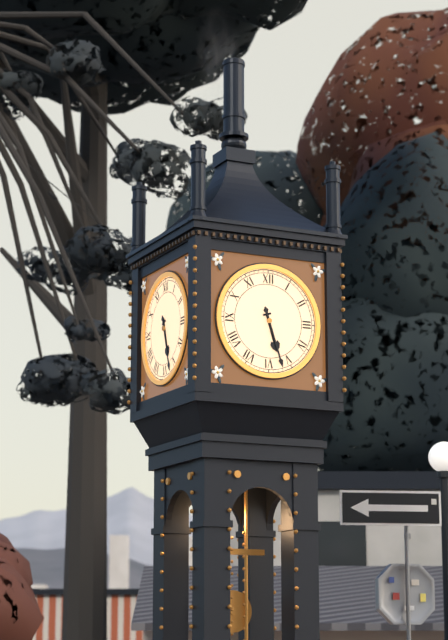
5:27
